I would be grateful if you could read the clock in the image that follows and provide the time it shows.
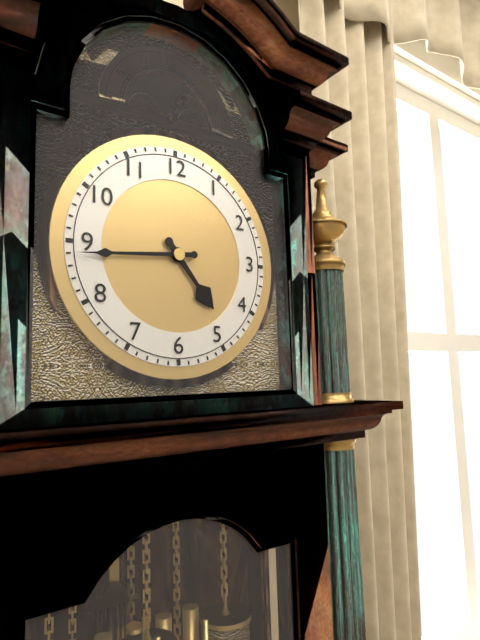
4:44
